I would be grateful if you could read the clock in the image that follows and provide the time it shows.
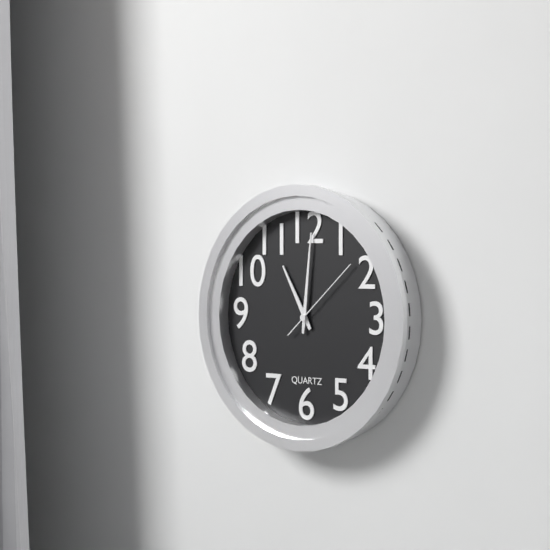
11:01:08
